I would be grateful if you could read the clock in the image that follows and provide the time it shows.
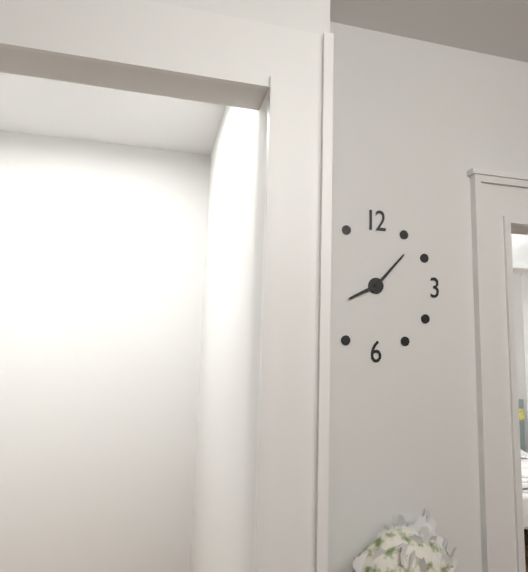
8:07
